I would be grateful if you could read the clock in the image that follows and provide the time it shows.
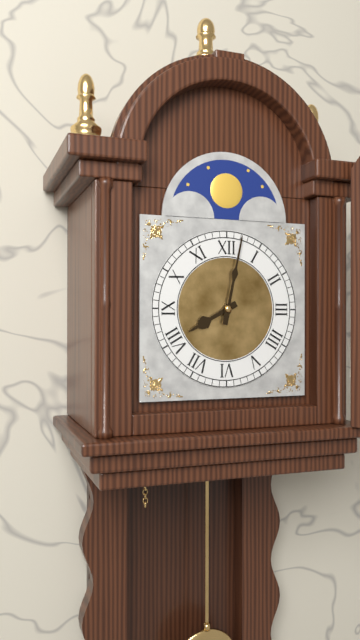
8:02
